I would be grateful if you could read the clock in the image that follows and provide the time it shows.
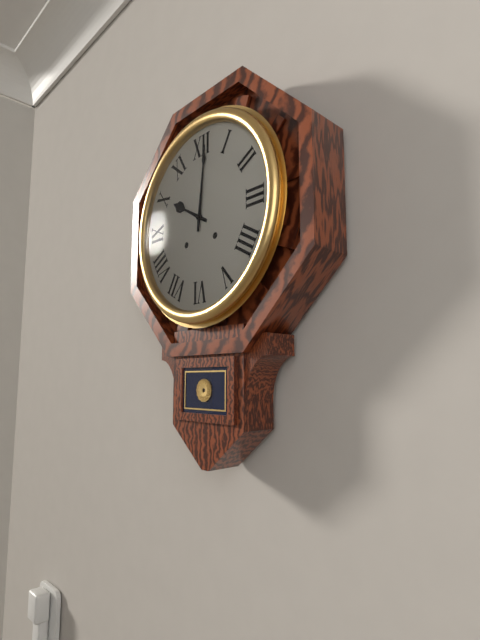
10:01
